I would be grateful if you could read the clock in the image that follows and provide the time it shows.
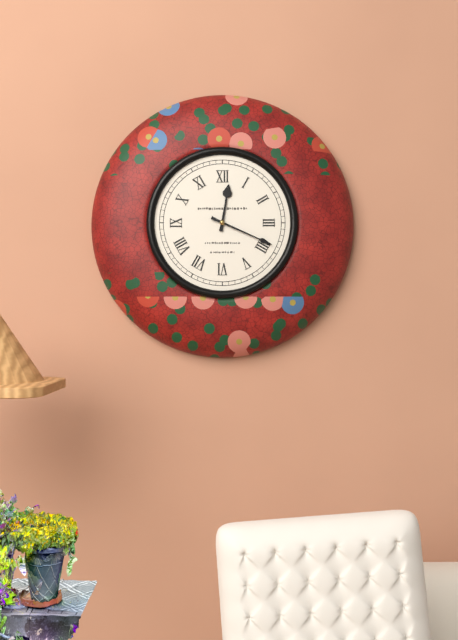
12:19
